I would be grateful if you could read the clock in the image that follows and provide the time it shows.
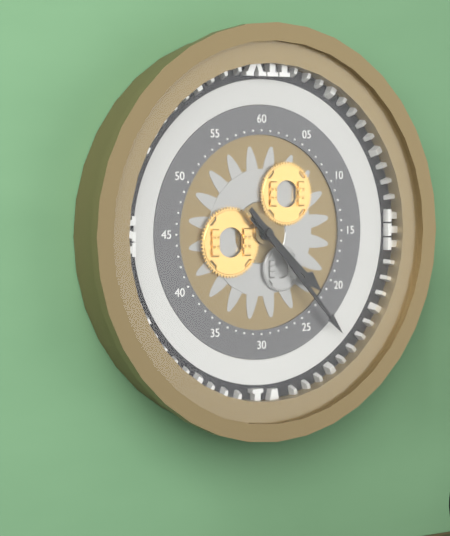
4:23
